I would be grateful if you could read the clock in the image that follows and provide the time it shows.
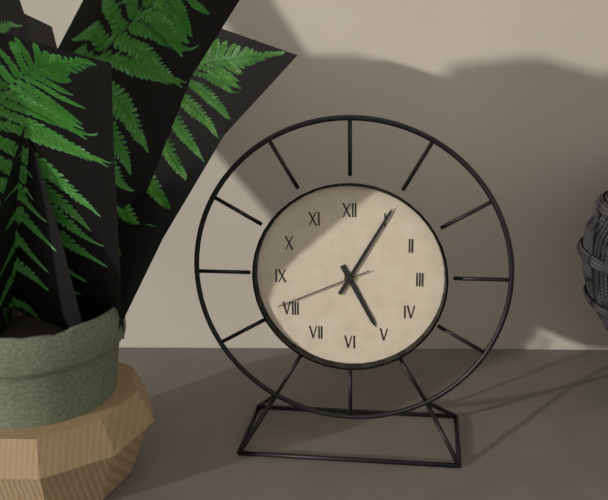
5:05:41
